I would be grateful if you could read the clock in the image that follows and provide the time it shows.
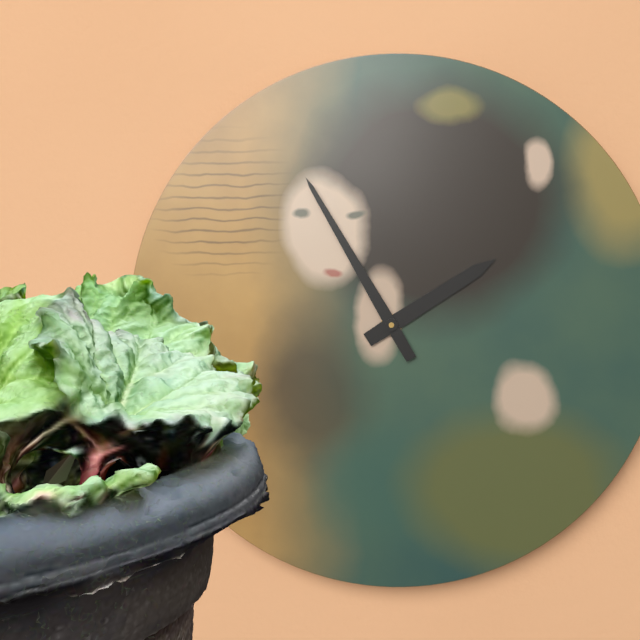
1:55
